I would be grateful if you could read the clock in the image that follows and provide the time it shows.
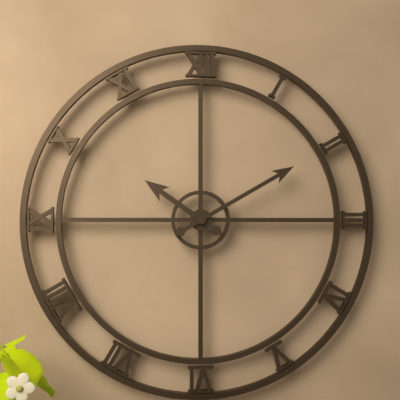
10:10
